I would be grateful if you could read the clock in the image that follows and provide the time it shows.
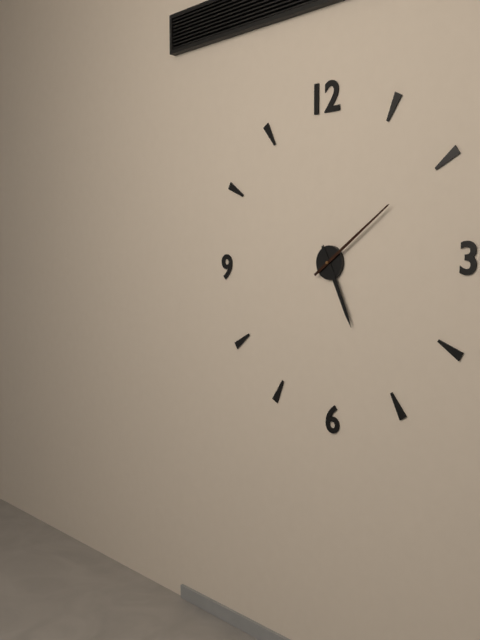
5:09
